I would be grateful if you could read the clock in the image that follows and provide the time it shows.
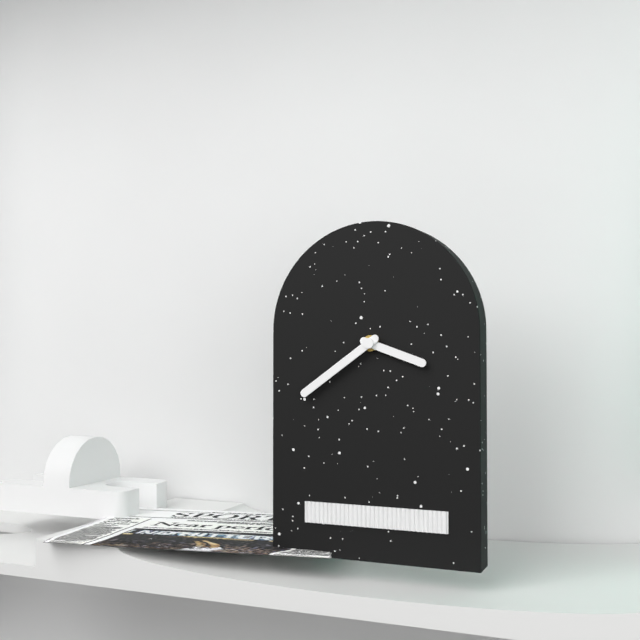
3:39
